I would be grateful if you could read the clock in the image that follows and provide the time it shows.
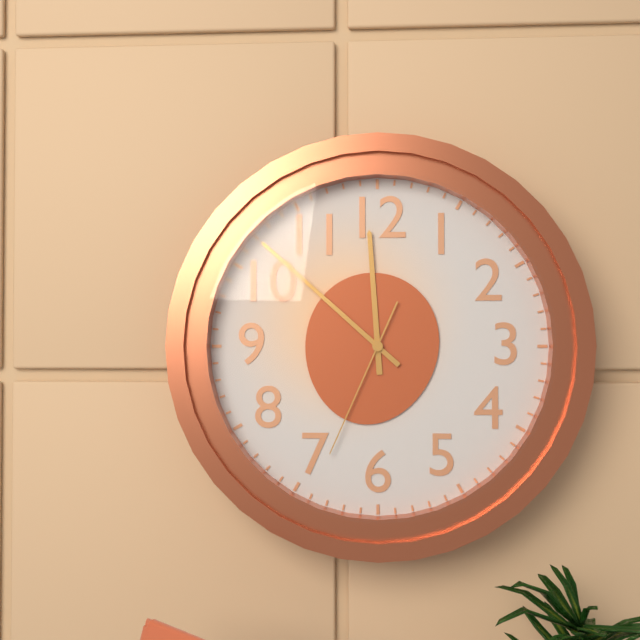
11:52:34
